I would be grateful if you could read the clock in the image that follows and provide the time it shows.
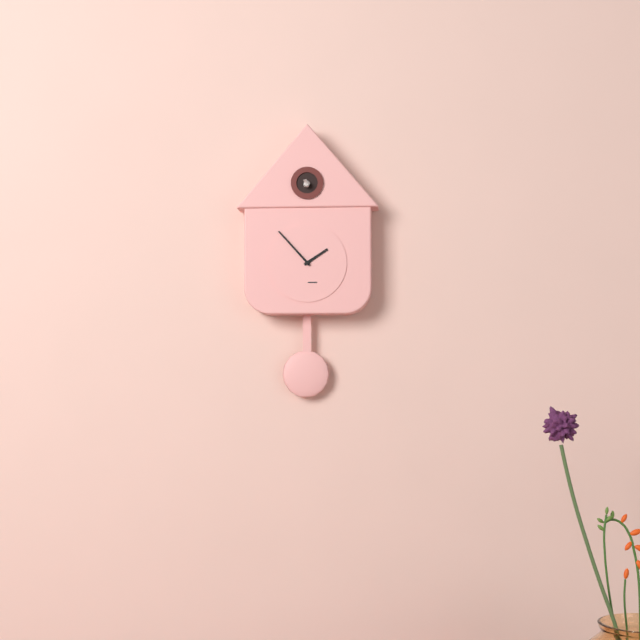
1:53
